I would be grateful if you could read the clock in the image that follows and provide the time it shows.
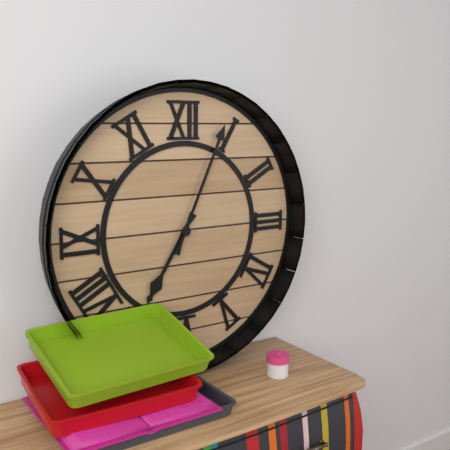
7:04
